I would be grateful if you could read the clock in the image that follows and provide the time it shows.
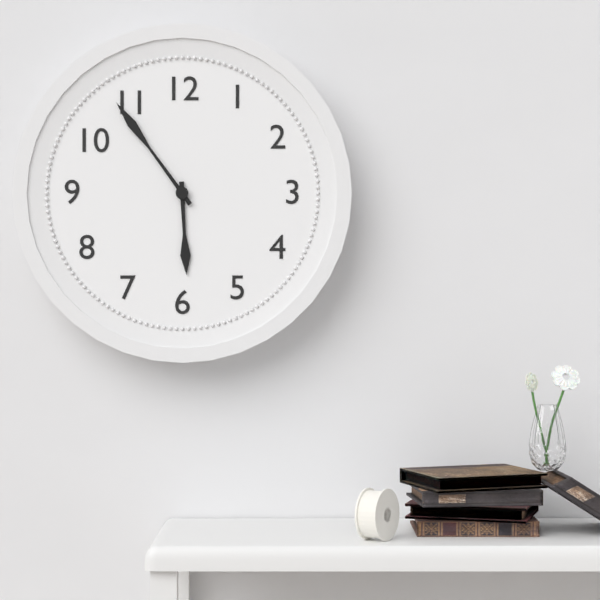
5:54
